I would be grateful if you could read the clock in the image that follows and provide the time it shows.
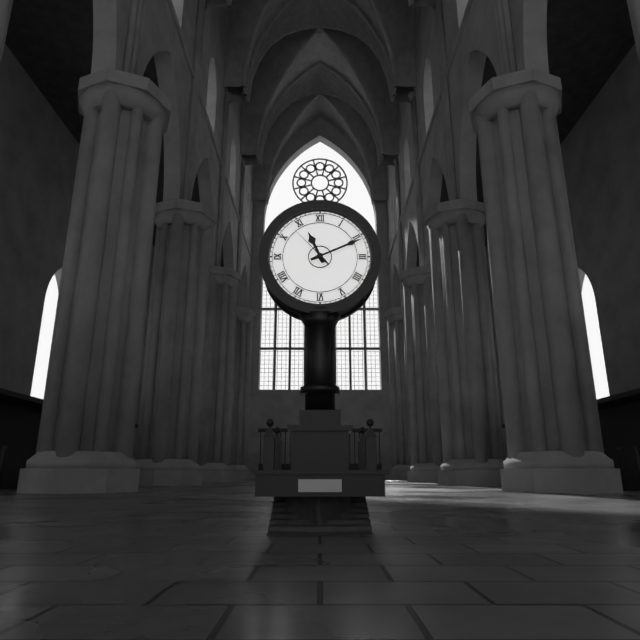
11:11:53
